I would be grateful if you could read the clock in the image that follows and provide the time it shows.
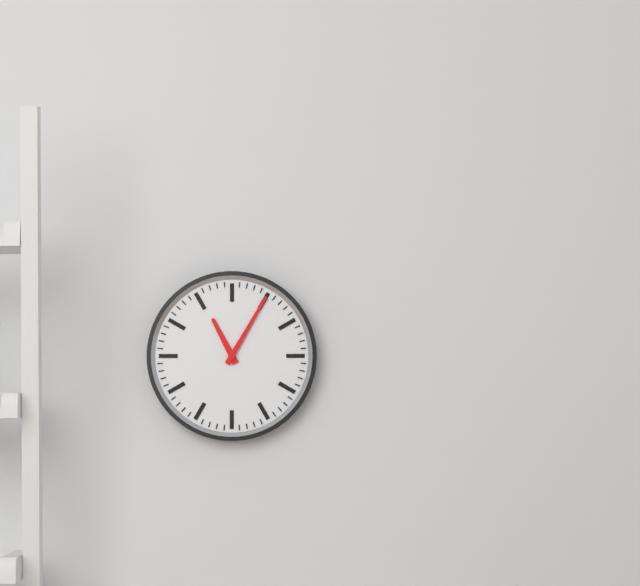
11:05
